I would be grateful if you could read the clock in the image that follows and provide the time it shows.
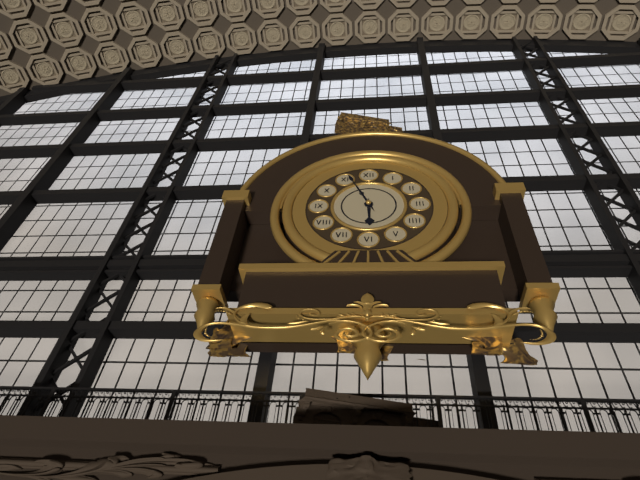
5:56
